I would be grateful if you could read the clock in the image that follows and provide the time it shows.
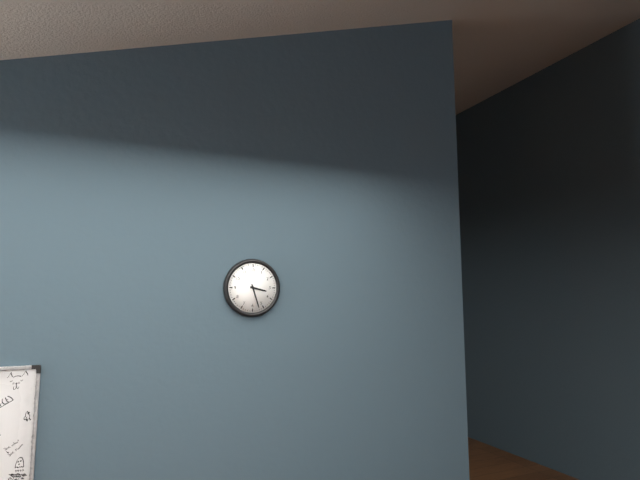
3:27
